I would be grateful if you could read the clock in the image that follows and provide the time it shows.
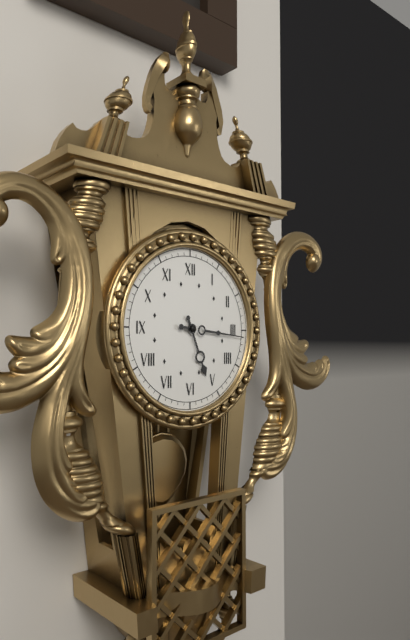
5:16
